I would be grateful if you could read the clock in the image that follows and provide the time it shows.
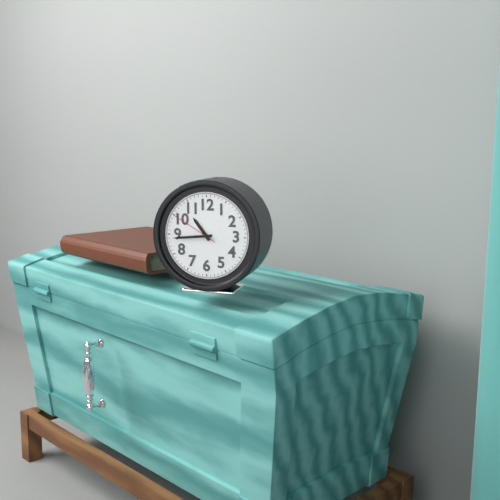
10:44
